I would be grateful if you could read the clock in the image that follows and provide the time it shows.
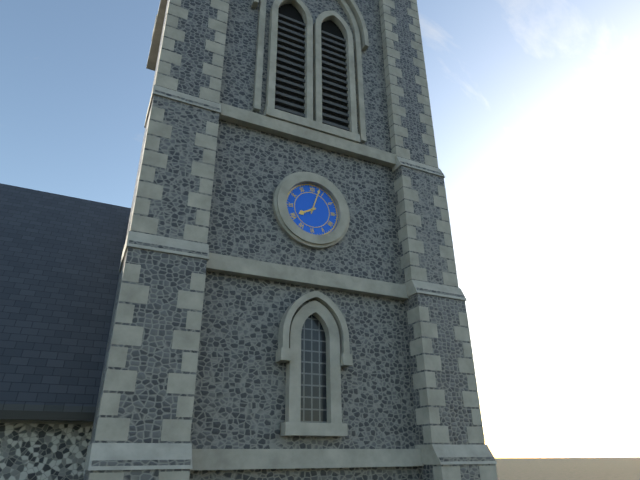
8:03
